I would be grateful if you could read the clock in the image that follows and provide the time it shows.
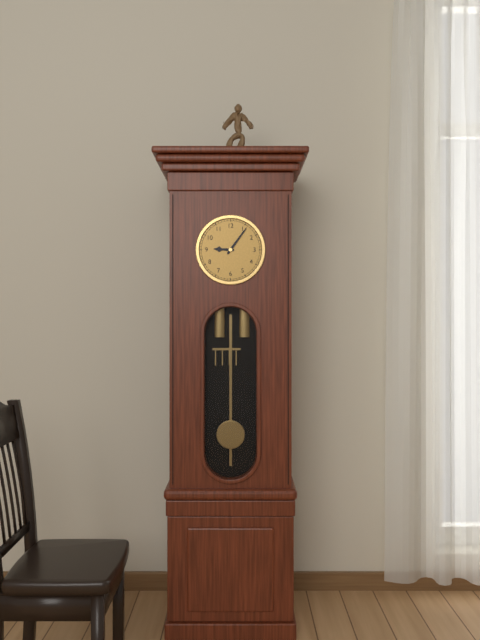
9:06
